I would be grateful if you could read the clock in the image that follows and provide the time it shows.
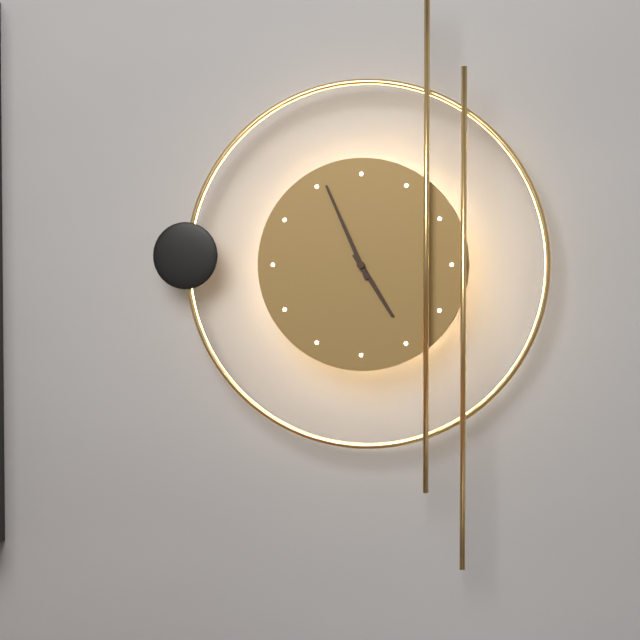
4:56
